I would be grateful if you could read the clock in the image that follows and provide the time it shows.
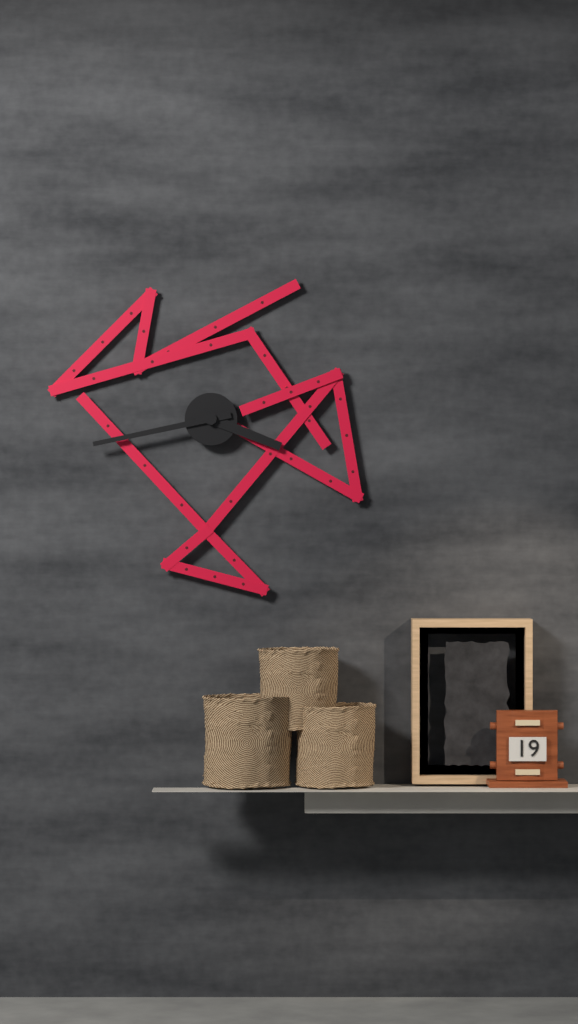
3:43
